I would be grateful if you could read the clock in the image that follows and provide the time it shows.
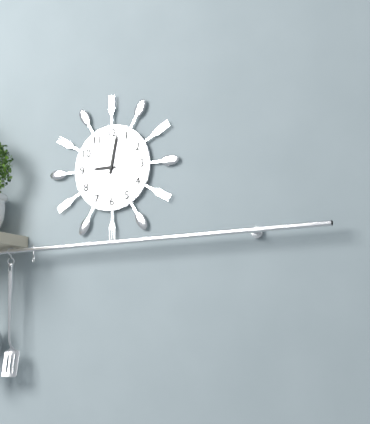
9:02
